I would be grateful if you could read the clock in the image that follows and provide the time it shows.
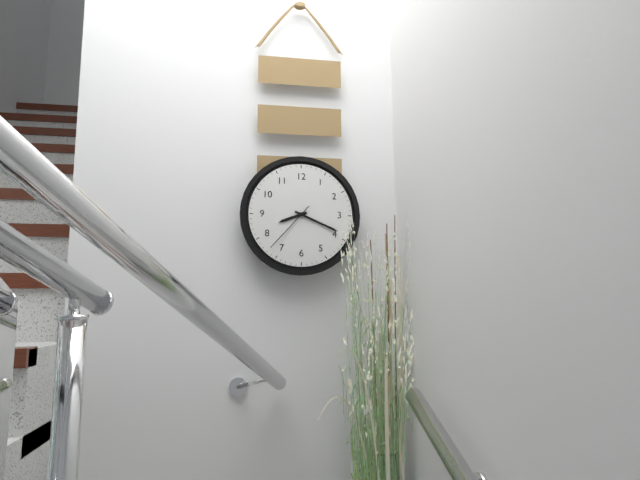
8:19:37
